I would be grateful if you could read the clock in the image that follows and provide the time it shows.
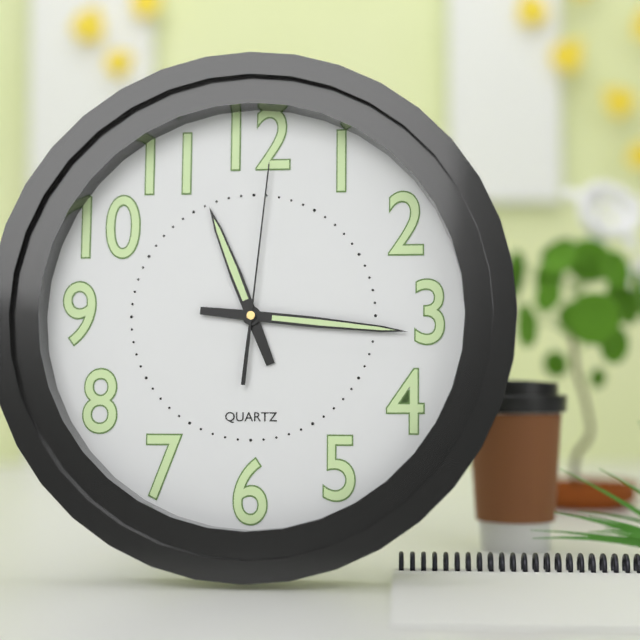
11:16:01
